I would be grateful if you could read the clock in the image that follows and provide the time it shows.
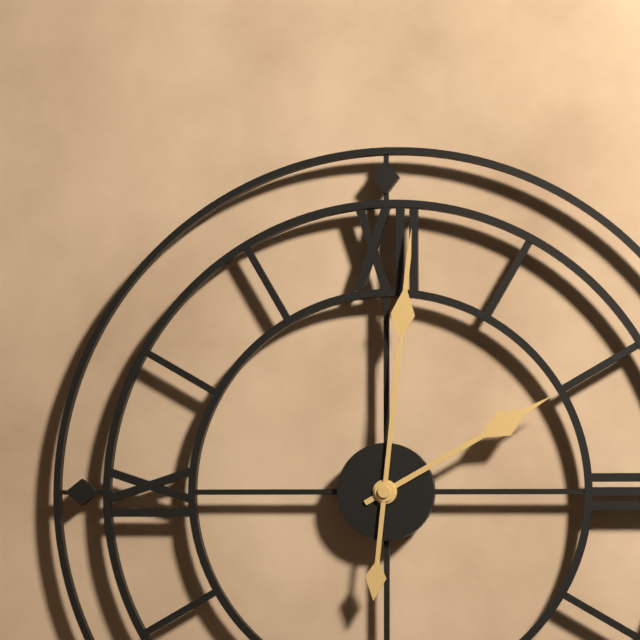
2:01
